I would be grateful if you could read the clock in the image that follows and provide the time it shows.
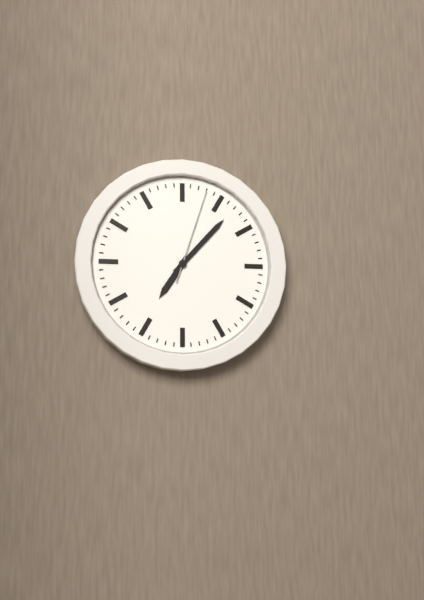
7:07:03
